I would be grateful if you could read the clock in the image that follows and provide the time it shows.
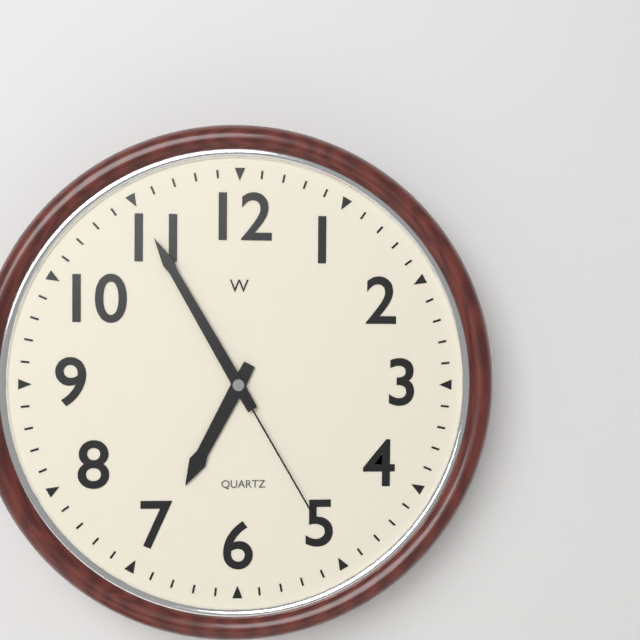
6:55:25
